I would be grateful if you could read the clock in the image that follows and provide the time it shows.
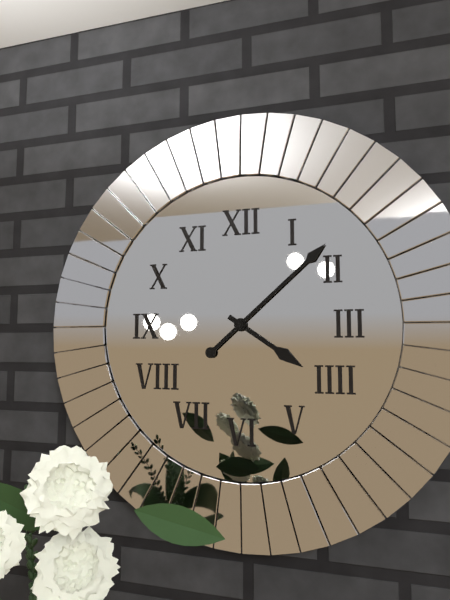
4:08
